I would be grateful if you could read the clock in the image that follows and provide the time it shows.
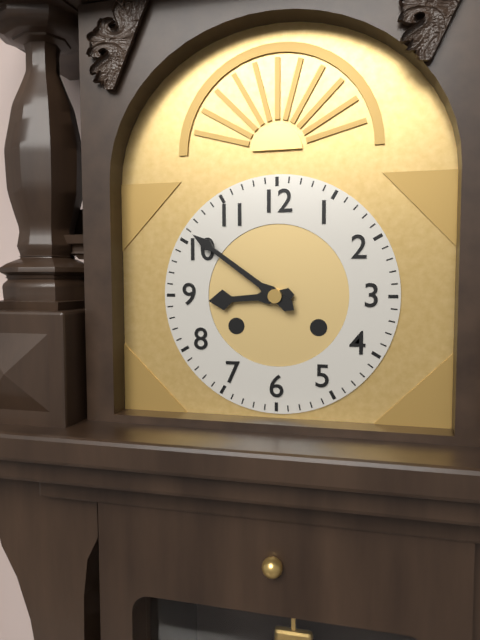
8:51
